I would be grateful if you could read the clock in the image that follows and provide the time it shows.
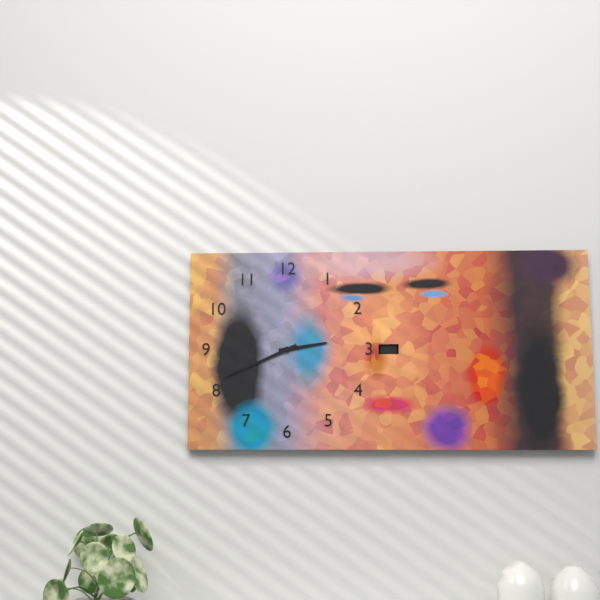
2:41
